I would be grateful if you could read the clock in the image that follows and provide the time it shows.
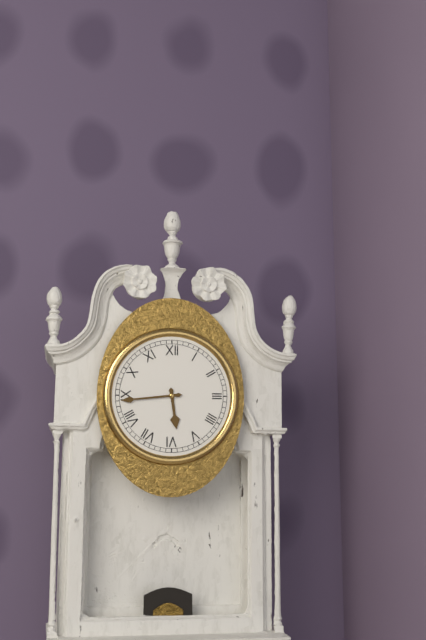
5:44
